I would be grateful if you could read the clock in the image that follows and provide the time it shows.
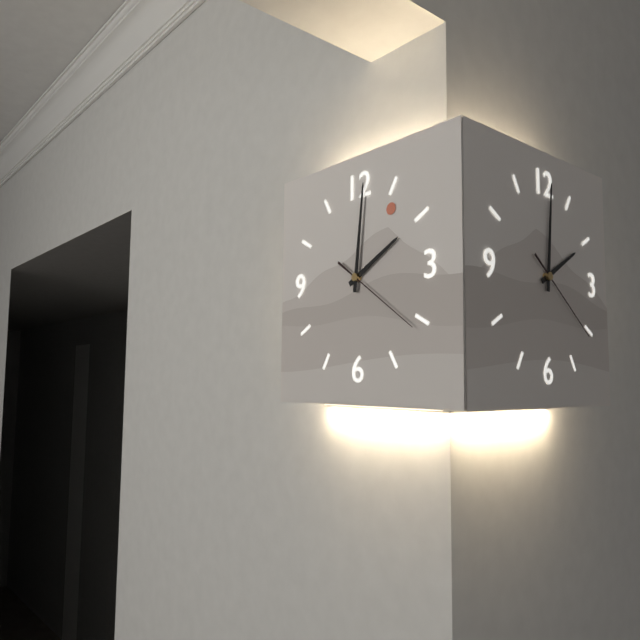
2:01:21
